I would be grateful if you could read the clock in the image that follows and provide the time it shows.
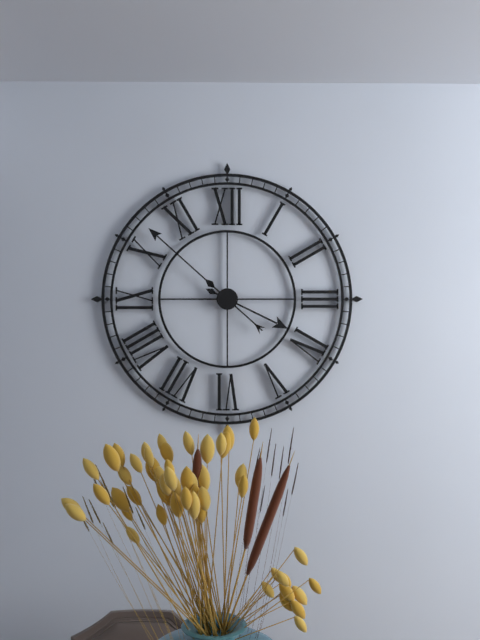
3:52
